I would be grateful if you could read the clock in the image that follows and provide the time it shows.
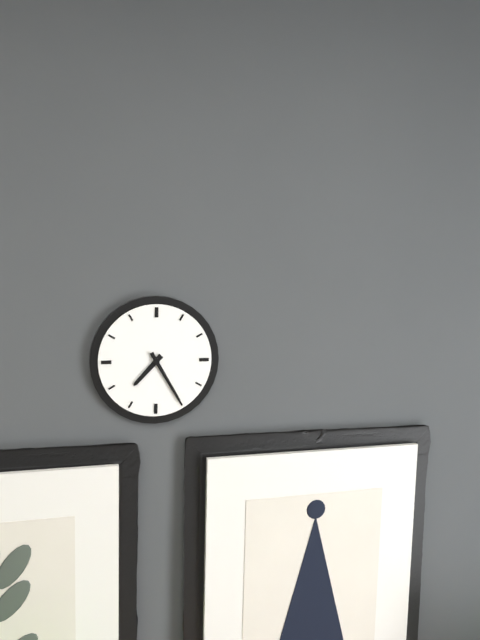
7:25
